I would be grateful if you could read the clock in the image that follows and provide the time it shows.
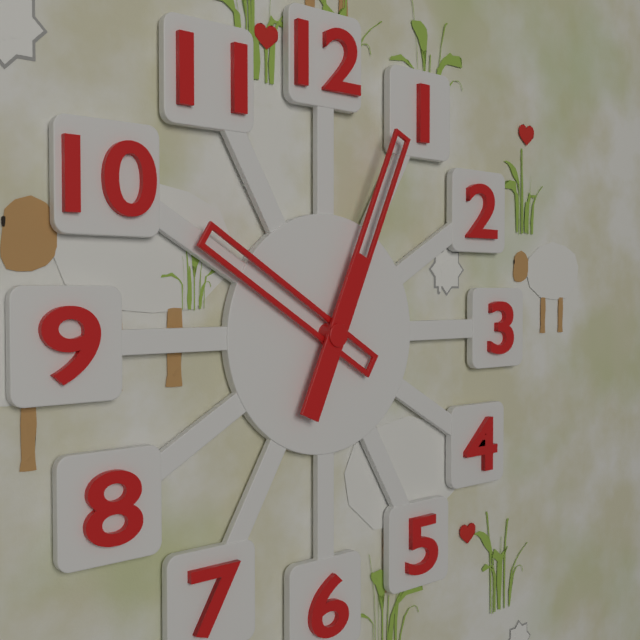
10:04
